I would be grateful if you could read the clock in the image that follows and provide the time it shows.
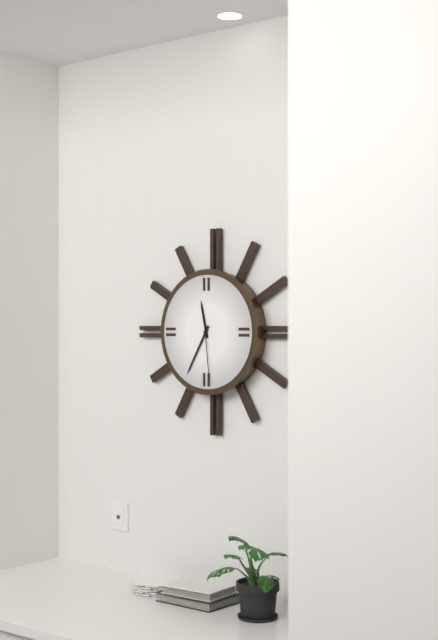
11:35:29
